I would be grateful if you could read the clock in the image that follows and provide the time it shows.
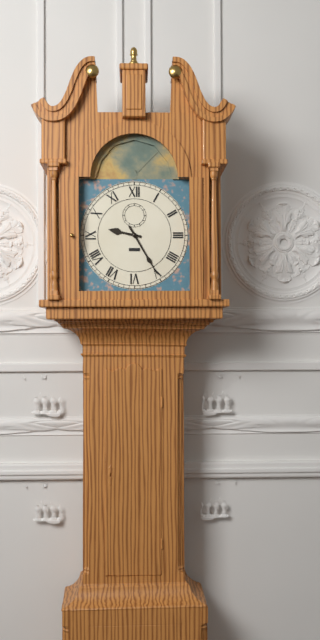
9:25
